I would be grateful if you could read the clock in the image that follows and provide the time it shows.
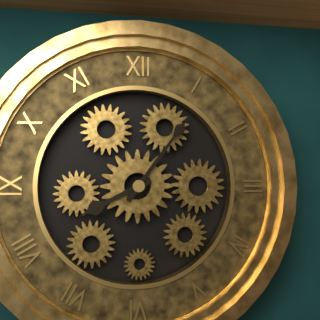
8:06
